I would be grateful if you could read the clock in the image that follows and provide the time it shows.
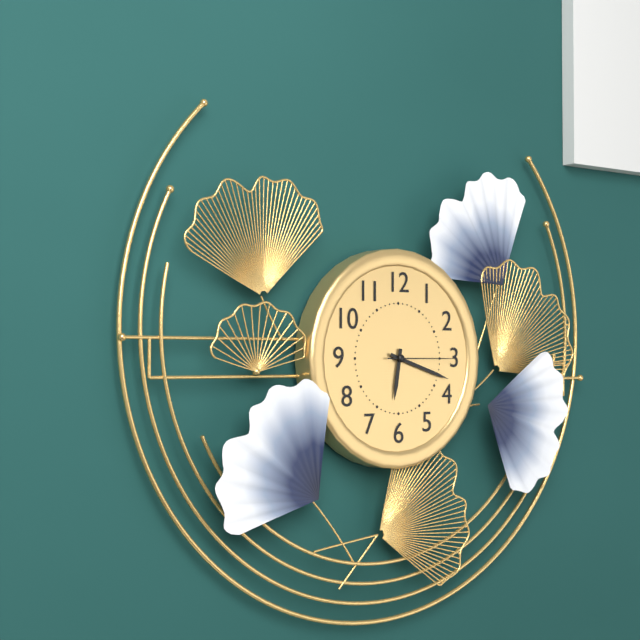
6:18:15
